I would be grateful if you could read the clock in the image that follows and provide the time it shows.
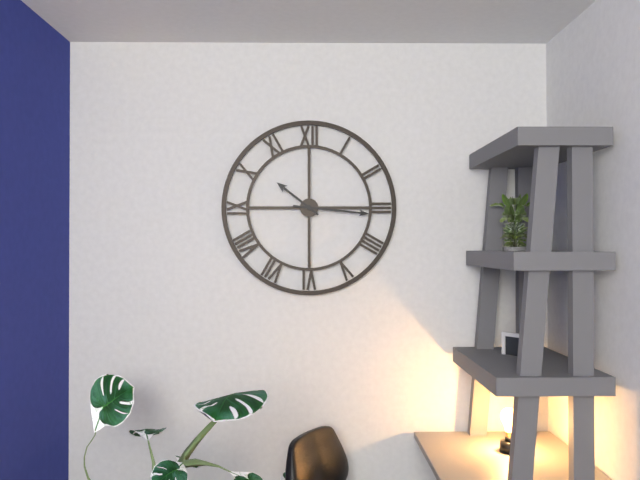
10:16
